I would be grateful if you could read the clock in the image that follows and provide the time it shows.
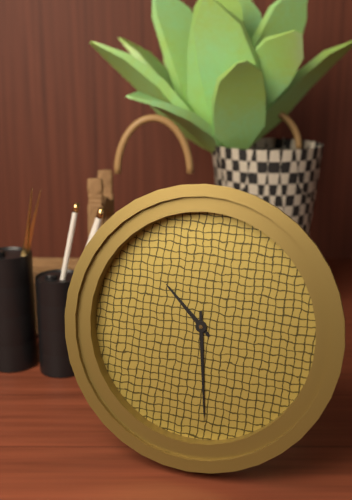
10:29
